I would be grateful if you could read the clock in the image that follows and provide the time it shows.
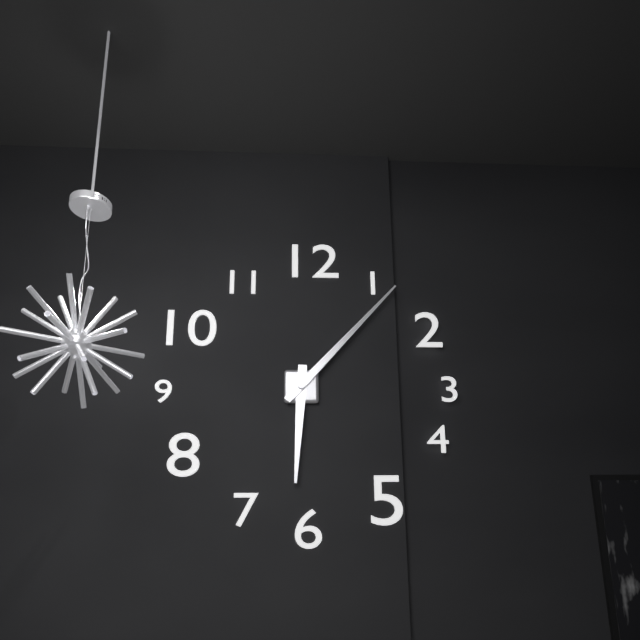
6:07
